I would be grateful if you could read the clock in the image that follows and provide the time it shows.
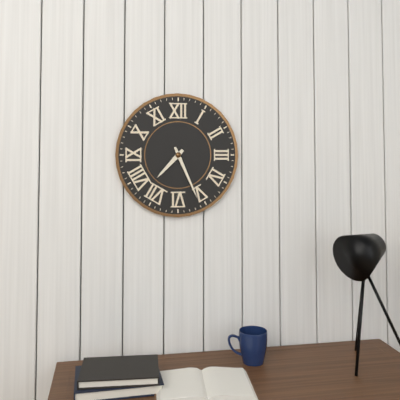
7:26
